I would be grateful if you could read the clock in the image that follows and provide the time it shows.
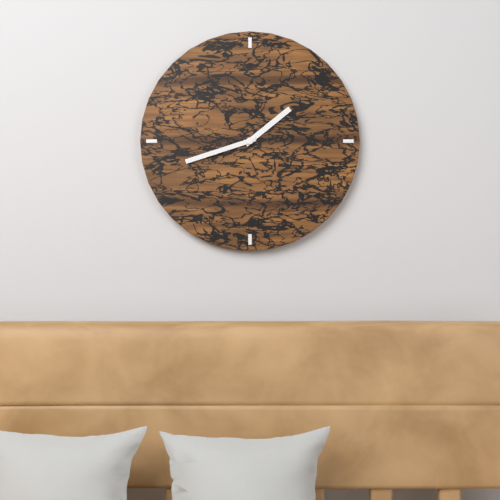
1:42
